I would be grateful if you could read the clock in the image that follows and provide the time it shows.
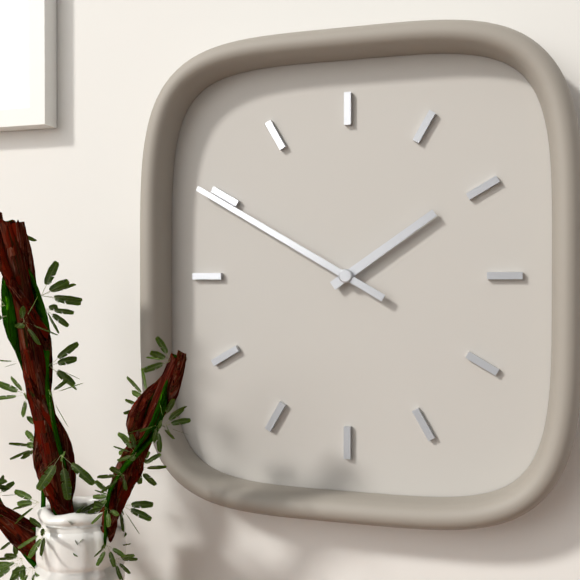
1:50
